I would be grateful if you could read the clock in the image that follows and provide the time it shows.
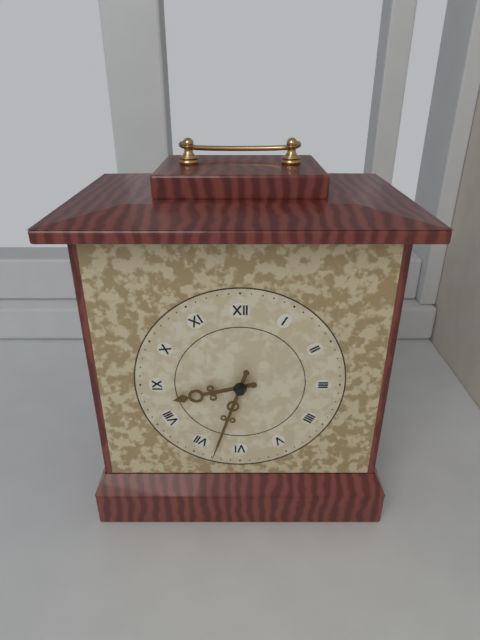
8:33
